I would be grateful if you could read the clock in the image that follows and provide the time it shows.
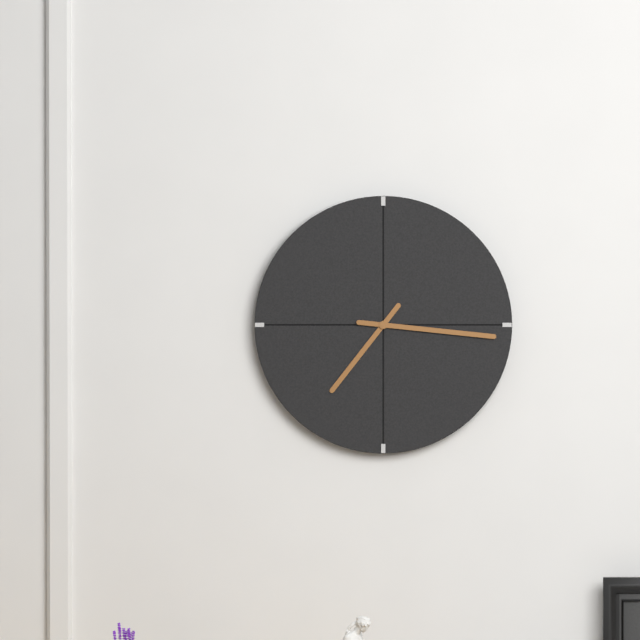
7:16
